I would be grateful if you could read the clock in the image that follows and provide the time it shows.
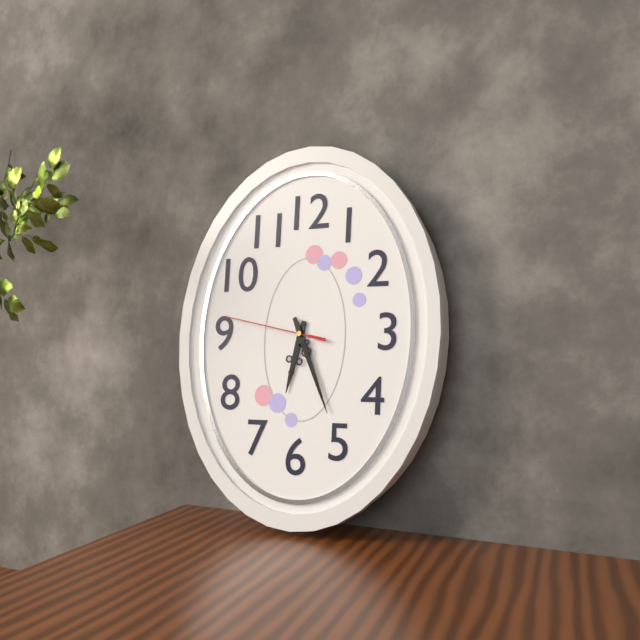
6:26:47
